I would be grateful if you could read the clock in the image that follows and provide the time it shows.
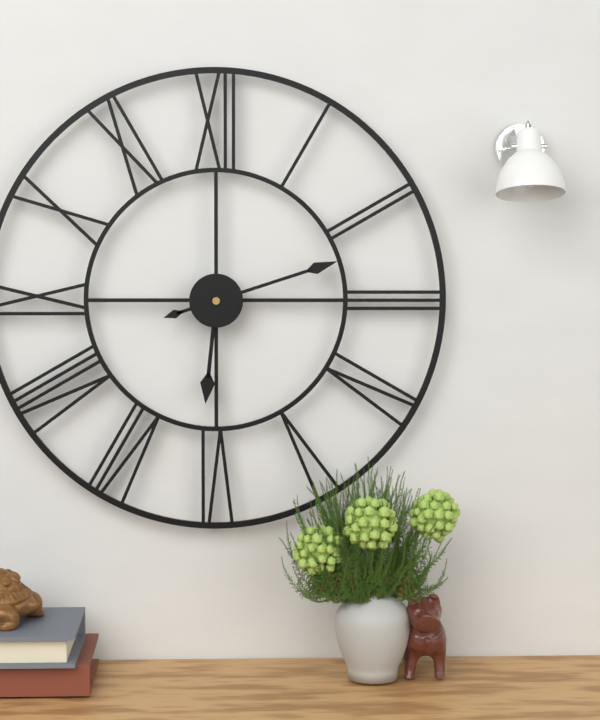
6:12
